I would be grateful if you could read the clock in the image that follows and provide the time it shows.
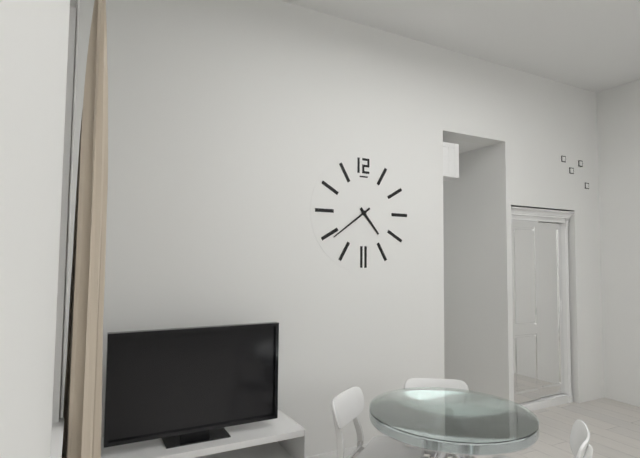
4:39
